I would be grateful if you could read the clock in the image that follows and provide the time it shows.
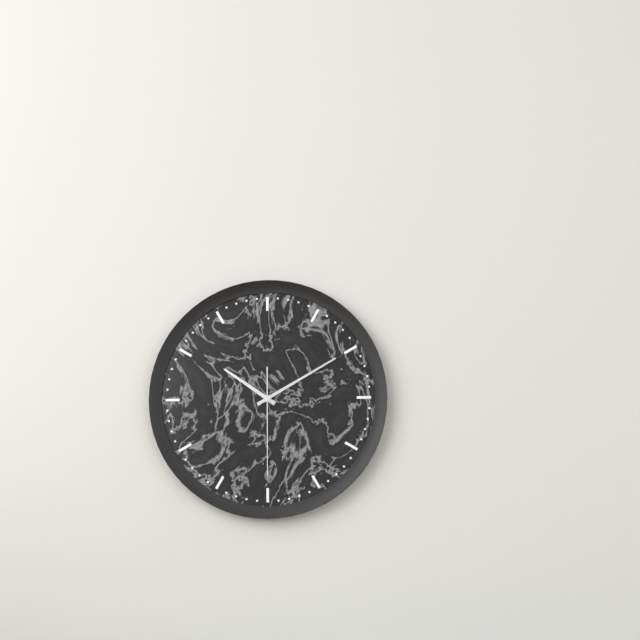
10:10:30
